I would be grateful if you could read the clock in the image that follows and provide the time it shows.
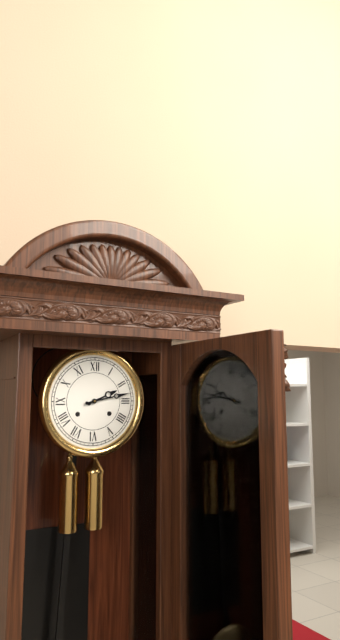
2:13
